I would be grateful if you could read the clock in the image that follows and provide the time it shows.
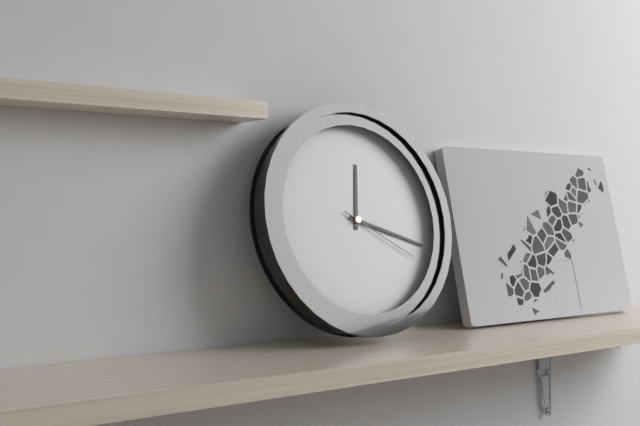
12:18:20
